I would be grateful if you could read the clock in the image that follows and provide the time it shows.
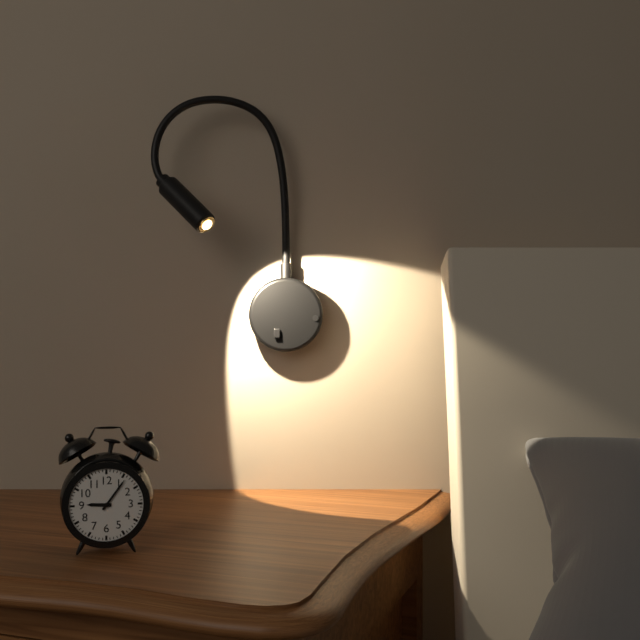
9:06
